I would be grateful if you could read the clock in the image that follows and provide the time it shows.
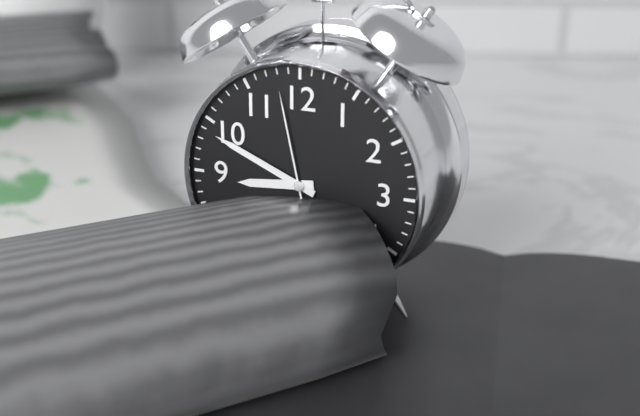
8:49:58
